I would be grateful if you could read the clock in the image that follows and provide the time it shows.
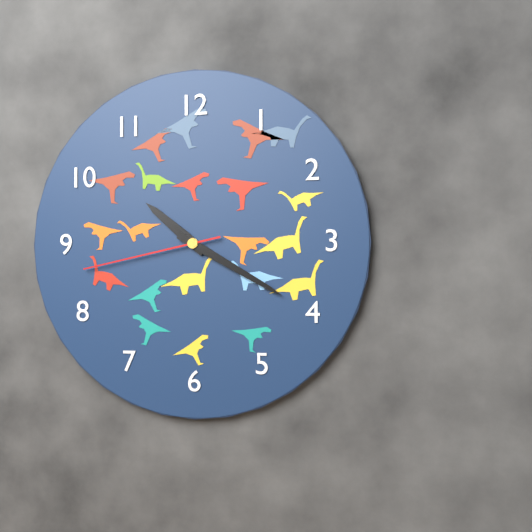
10:20:43
